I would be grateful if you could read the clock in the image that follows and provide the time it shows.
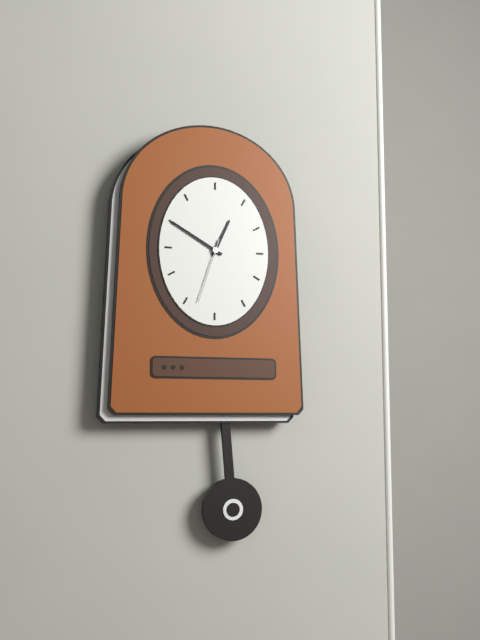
12:50:33
